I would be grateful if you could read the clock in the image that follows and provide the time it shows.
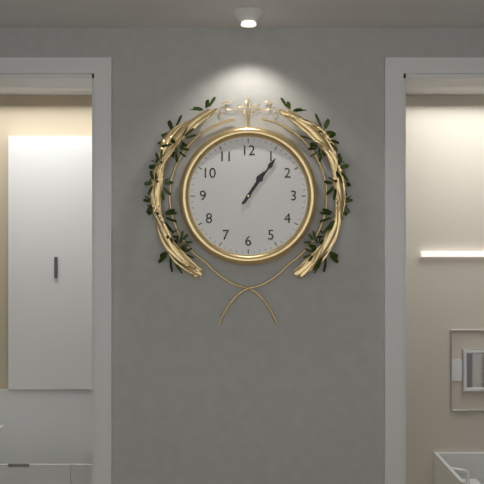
1:06
